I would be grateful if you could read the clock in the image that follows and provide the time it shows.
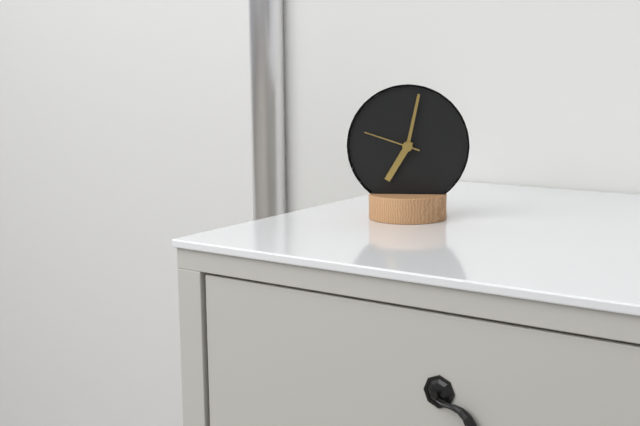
7:02:48
